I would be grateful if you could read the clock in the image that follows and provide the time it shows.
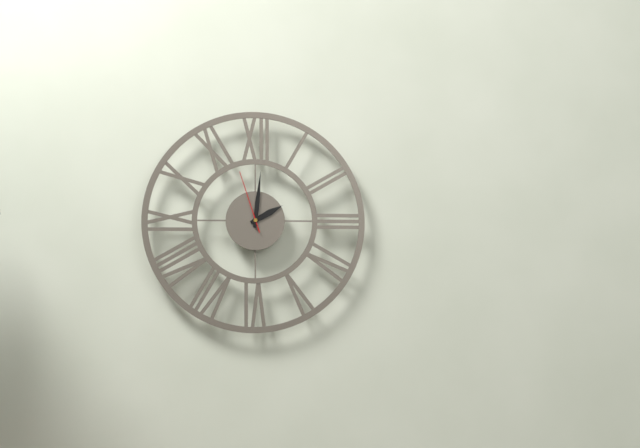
2:01:57
